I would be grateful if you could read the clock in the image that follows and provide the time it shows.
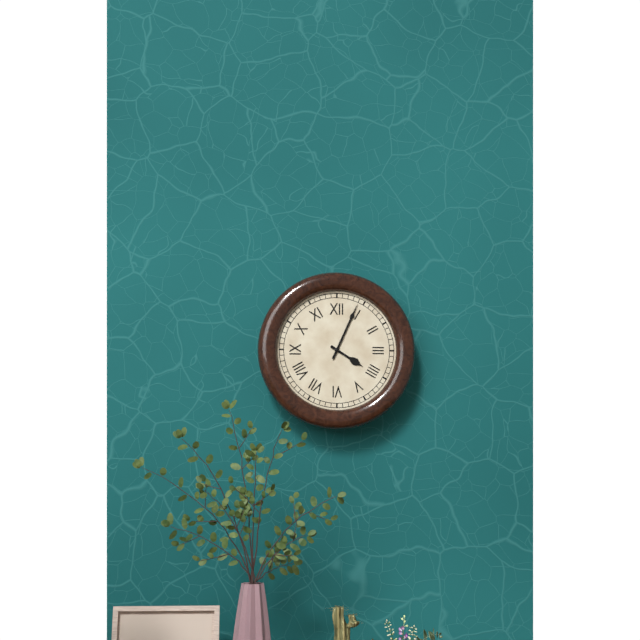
4:04
